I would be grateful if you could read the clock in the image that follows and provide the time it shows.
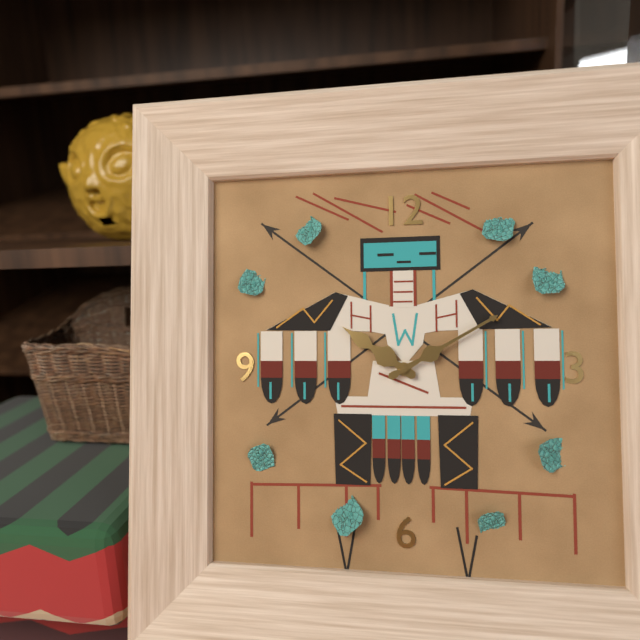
10:10
